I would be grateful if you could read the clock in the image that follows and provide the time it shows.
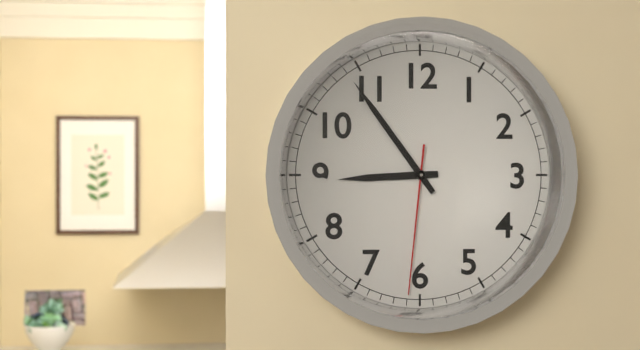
8:54:31
